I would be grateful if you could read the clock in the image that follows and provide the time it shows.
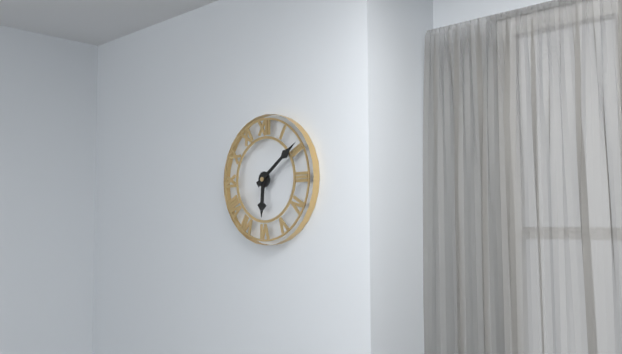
6:09
